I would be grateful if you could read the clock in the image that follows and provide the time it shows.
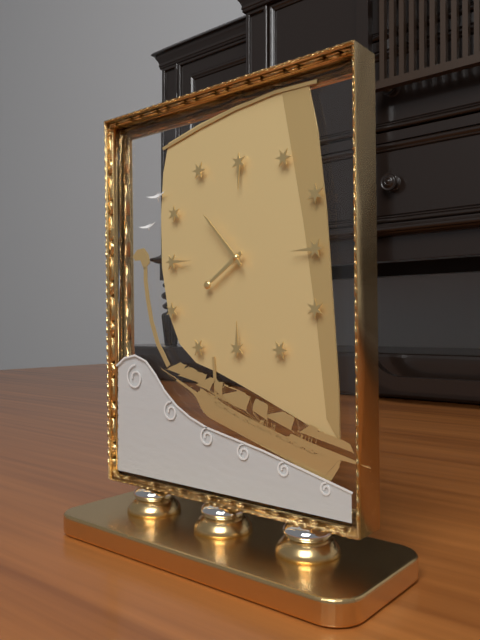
7:53
